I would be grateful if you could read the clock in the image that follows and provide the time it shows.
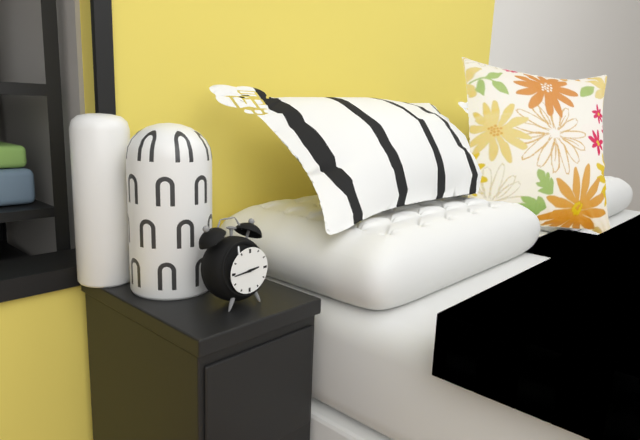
2:44
